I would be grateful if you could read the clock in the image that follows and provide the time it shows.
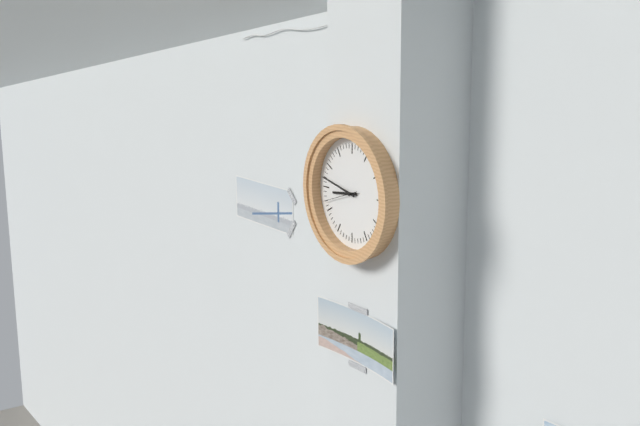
8:47
